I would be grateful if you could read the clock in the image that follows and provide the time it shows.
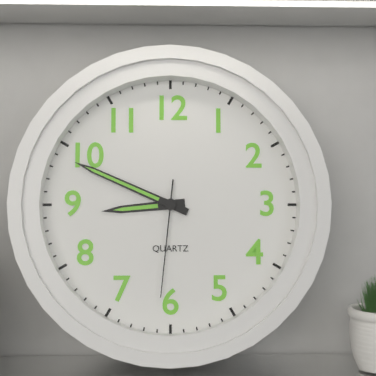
8:49:31
